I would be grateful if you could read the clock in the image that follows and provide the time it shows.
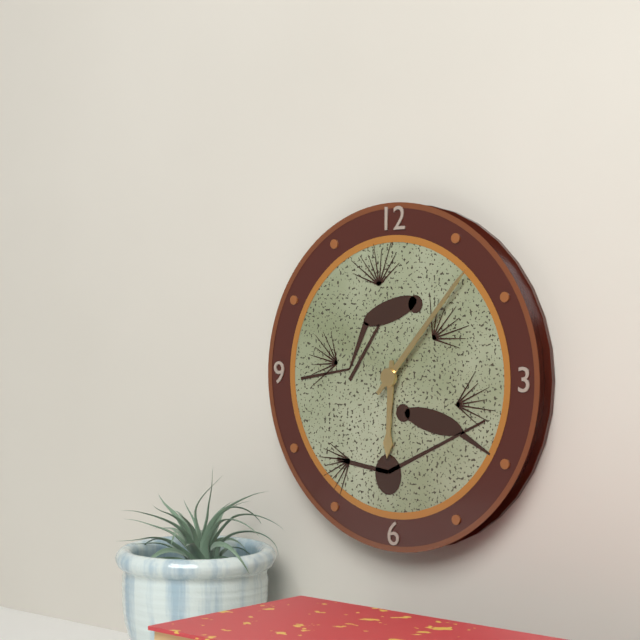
6:07
